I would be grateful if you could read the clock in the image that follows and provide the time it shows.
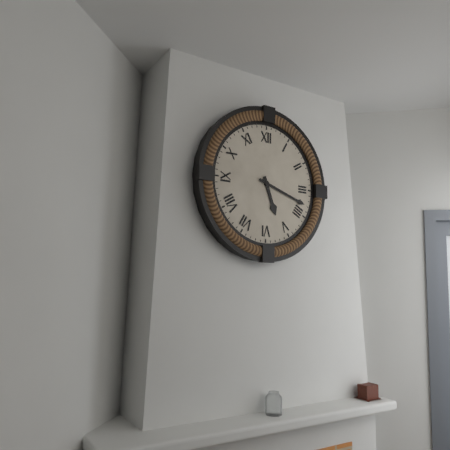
5:18
